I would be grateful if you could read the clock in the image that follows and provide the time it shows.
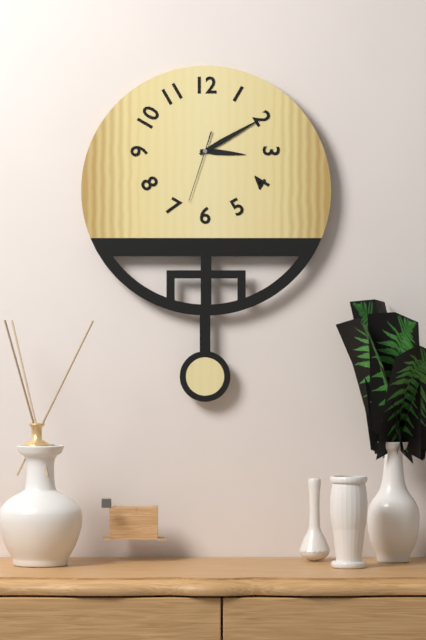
3:10:33
